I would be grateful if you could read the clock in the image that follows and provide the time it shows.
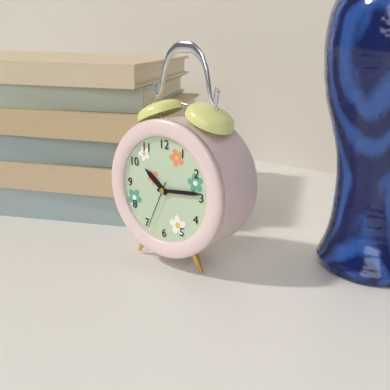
10:14
